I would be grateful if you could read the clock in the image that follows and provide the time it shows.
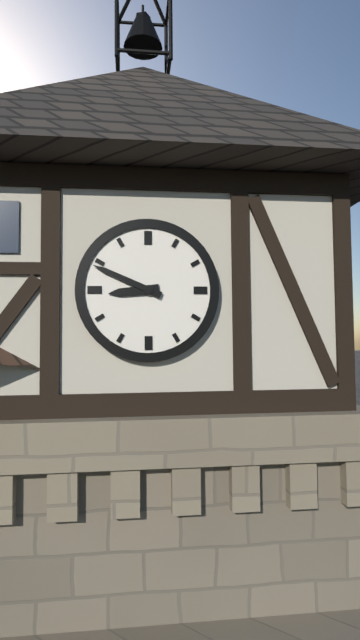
8:49
